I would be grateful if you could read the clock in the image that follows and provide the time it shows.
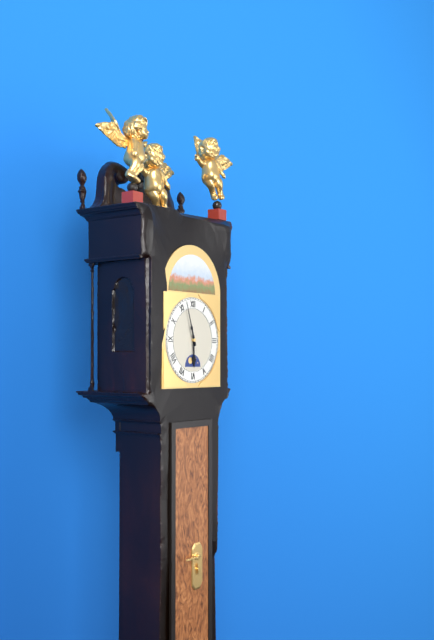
5:57
